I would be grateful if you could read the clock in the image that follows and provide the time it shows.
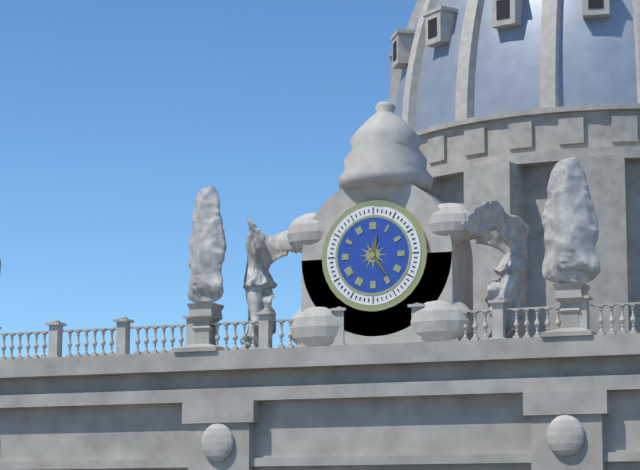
12:24
